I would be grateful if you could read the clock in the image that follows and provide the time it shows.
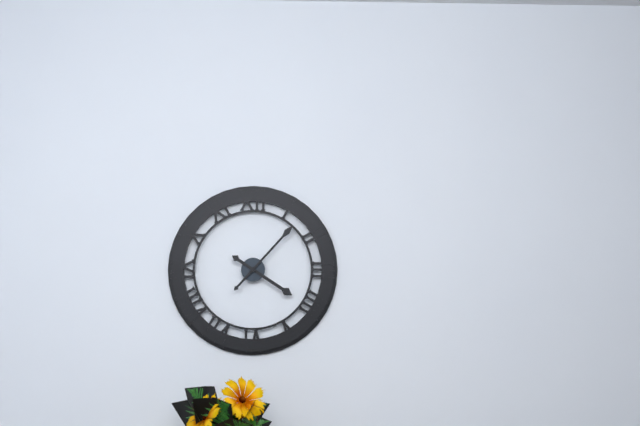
4:07
